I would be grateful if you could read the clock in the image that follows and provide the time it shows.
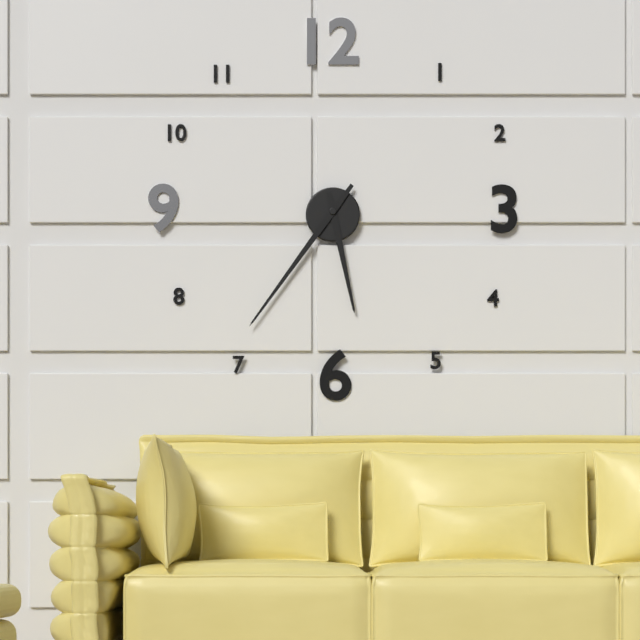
5:36
